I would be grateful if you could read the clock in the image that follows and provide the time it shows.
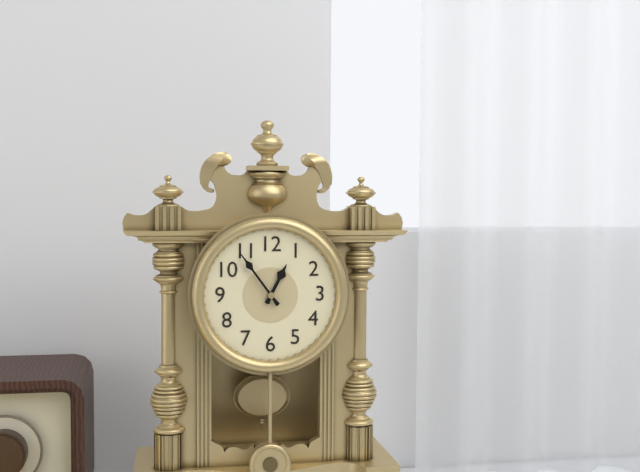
12:54
